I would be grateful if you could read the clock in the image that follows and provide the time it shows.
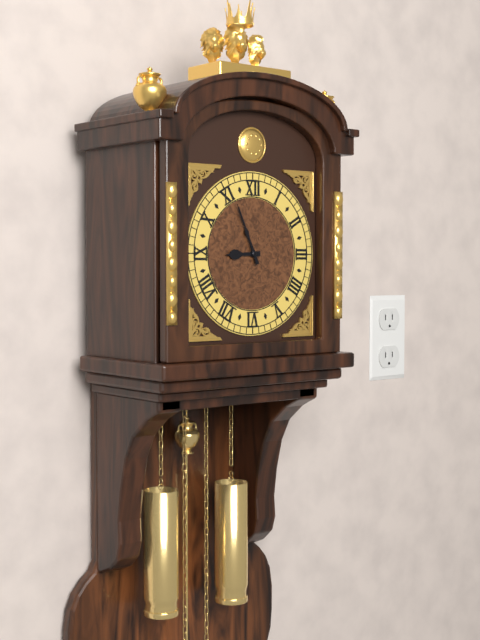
8:56
